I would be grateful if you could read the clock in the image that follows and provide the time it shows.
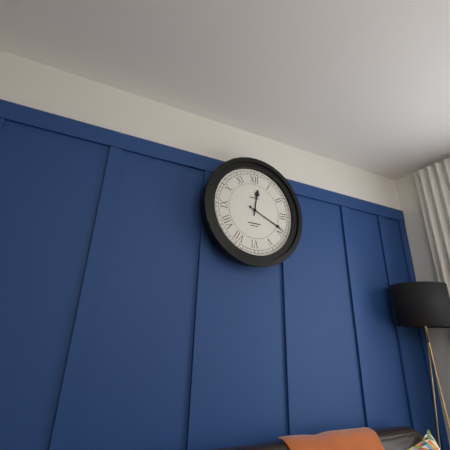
12:19
